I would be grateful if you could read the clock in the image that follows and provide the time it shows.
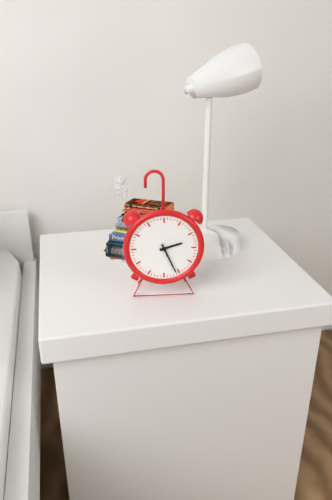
2:26
